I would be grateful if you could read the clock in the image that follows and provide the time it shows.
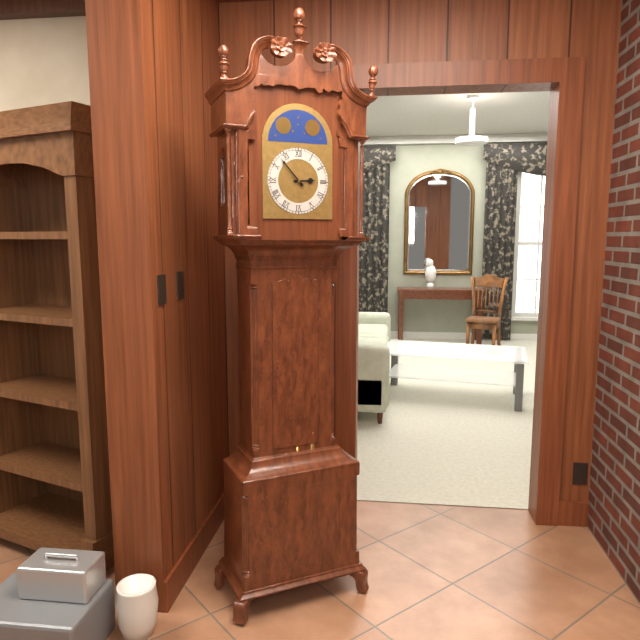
2:53
